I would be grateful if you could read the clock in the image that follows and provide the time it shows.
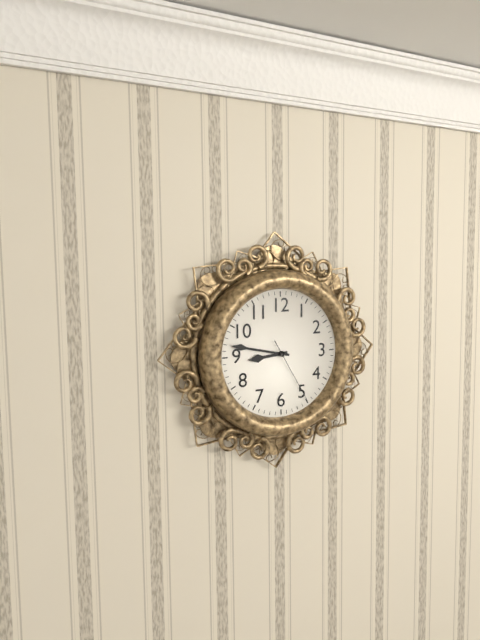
8:47:25
